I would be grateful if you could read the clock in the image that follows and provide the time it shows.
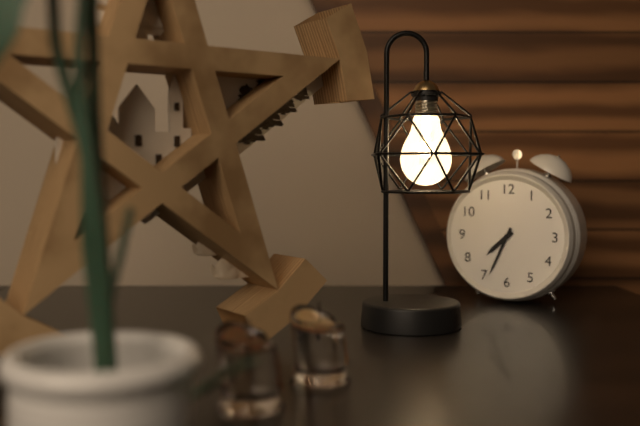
7:34
